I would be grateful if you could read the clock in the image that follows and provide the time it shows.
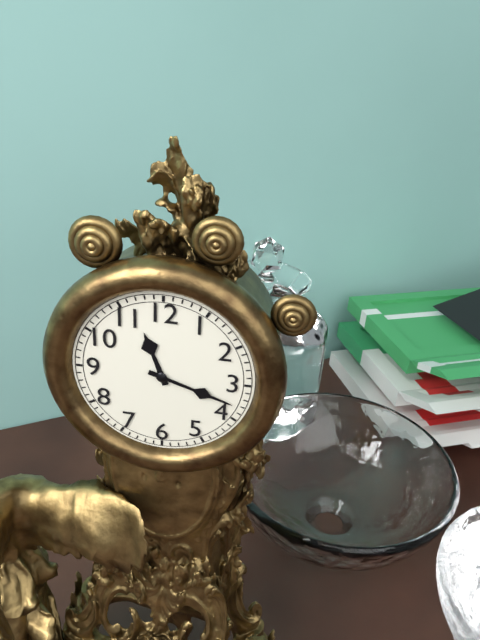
11:18
